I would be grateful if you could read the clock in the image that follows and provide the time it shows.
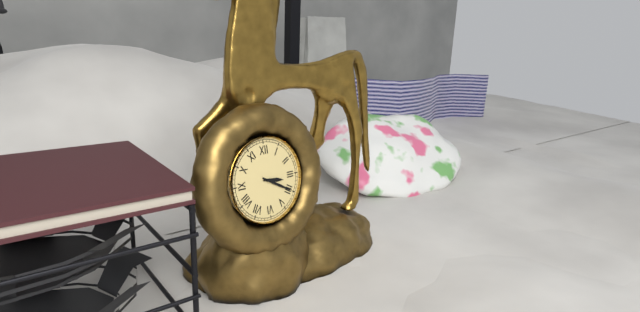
3:20
